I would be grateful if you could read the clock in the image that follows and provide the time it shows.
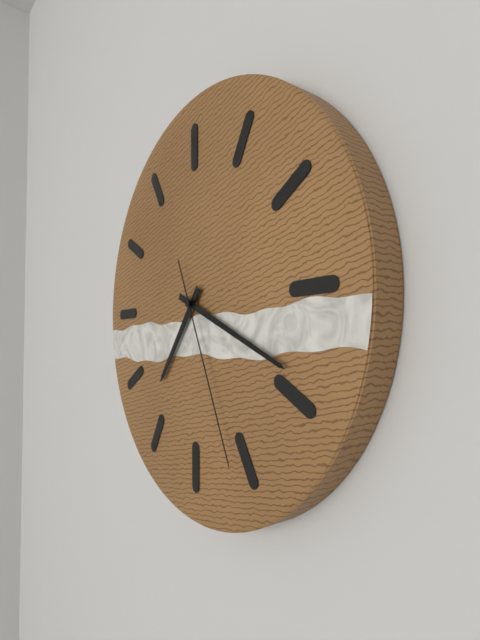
7:19:26
